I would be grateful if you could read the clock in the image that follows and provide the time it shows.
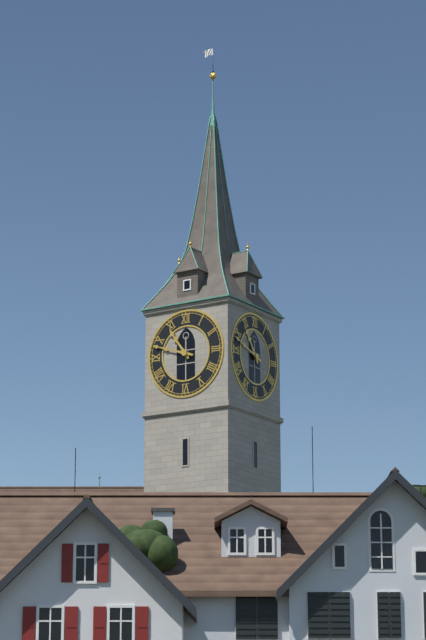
10:48
